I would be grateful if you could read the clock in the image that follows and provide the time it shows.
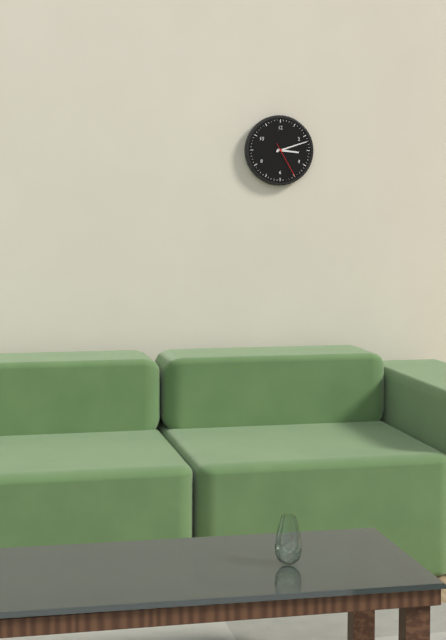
3:12
